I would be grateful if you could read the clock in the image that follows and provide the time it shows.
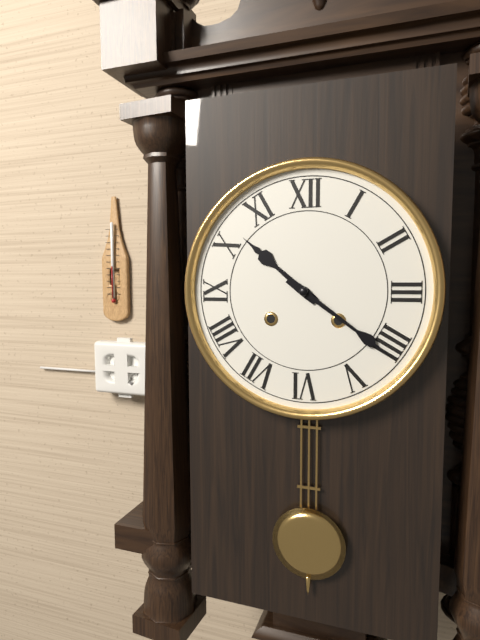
10:21
